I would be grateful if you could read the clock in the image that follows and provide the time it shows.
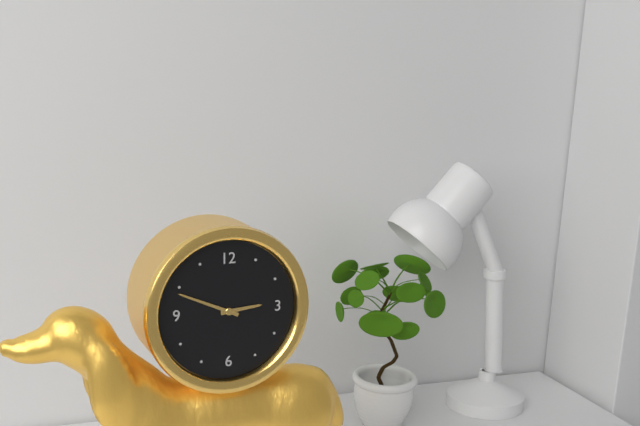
2:49
